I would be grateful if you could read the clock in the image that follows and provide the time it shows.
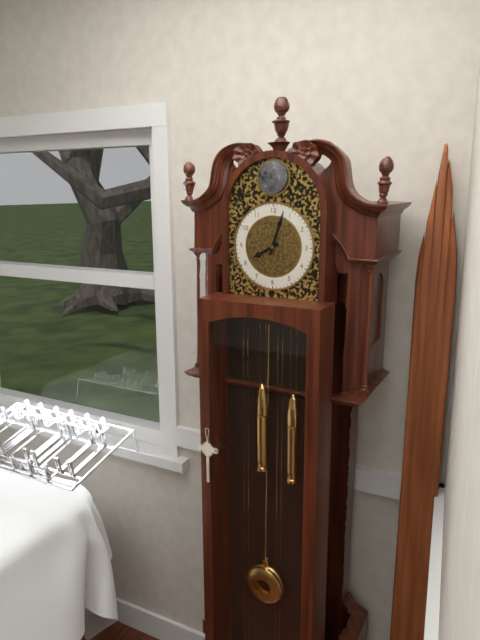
8:03
